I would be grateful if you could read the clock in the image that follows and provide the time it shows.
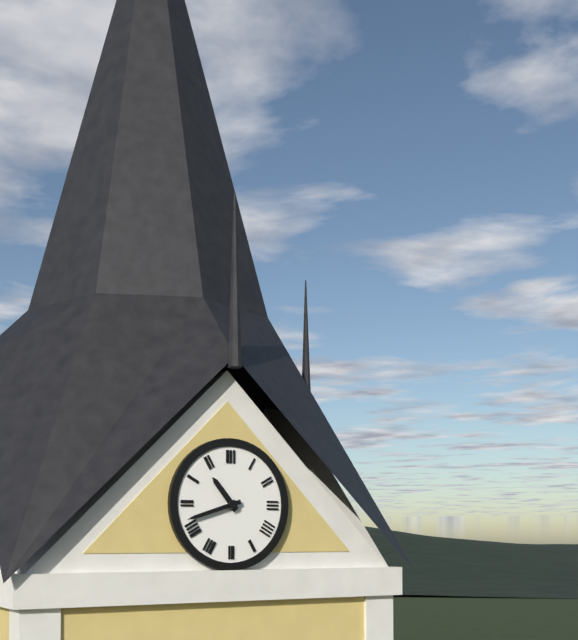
10:42
